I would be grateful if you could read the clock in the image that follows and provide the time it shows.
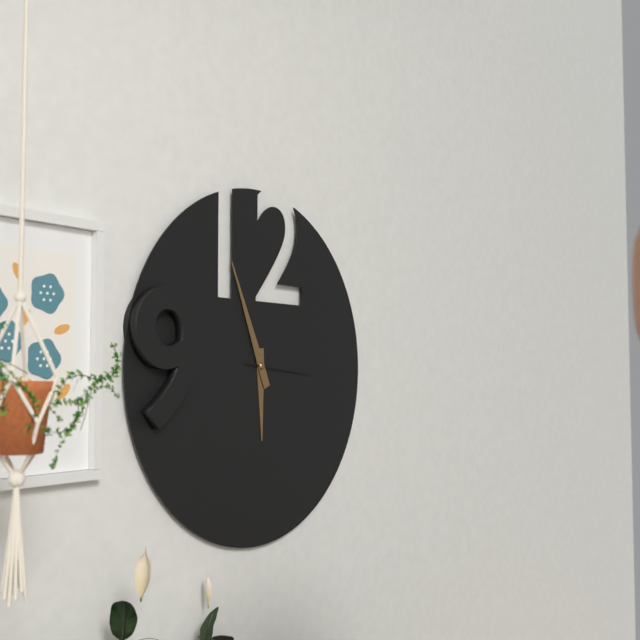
5:56:16
